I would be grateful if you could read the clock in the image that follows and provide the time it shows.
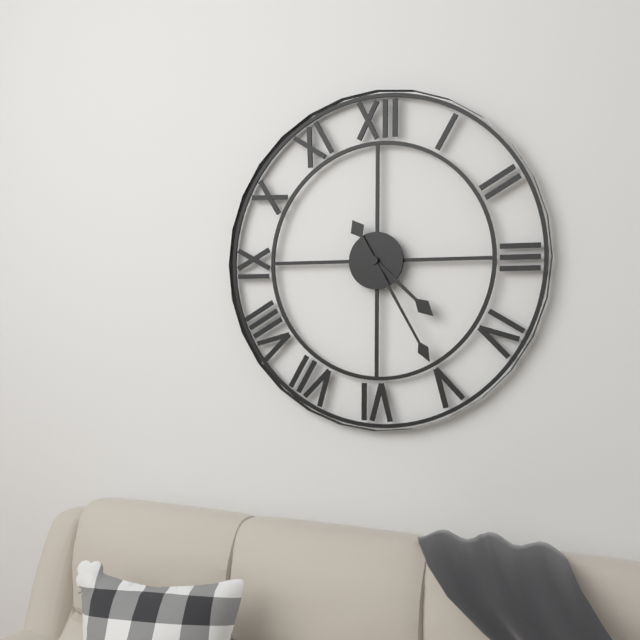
4:25
